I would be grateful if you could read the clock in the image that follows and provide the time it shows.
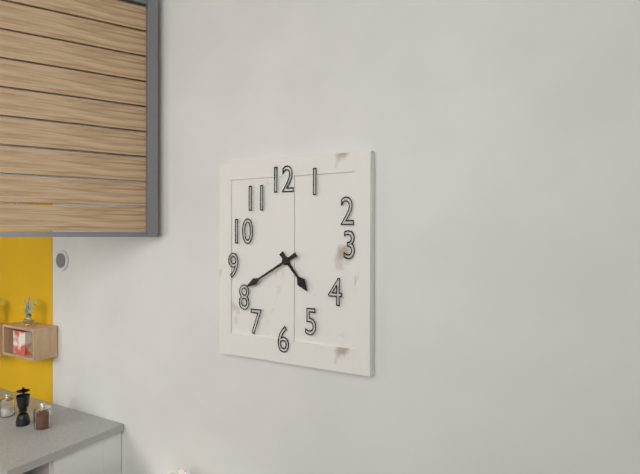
4:40
